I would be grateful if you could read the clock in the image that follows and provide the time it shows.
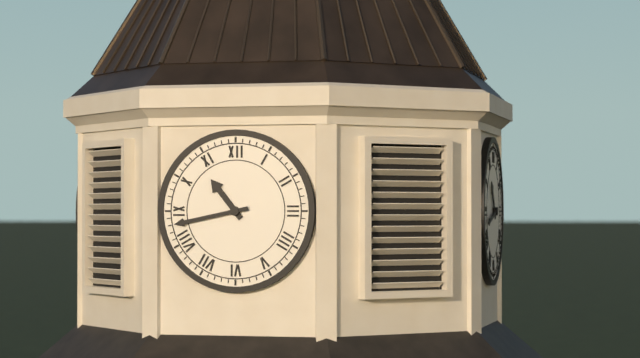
10:43
